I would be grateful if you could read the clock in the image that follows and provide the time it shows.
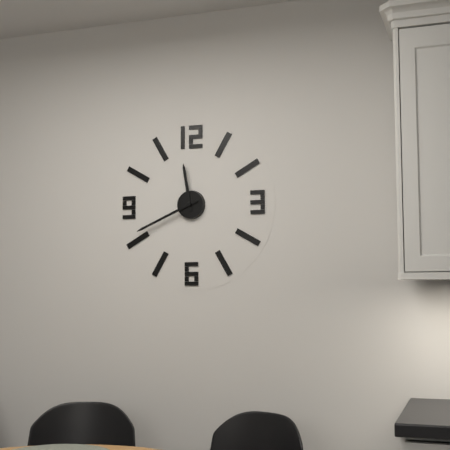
11:41
